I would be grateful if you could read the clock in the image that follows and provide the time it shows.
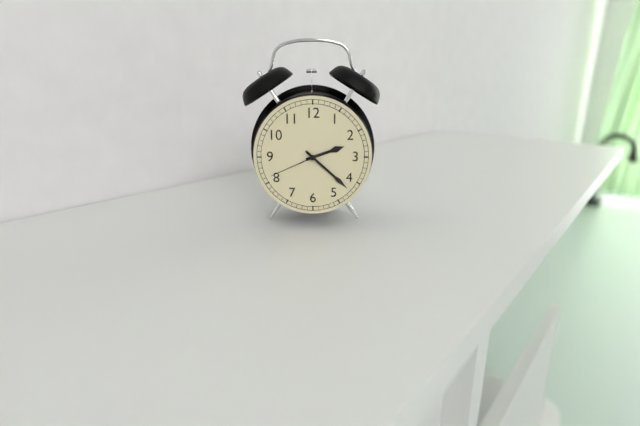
2:22:41
